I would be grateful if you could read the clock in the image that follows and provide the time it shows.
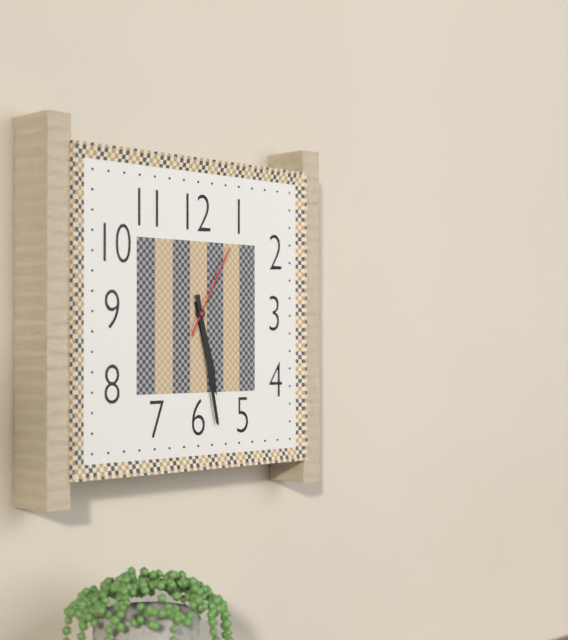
5:28:05
